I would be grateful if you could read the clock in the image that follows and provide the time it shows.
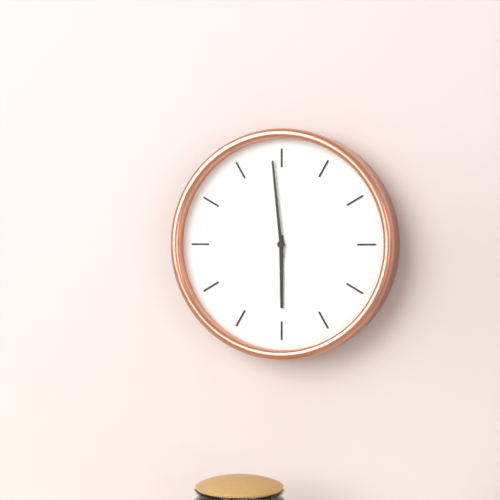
5:59
